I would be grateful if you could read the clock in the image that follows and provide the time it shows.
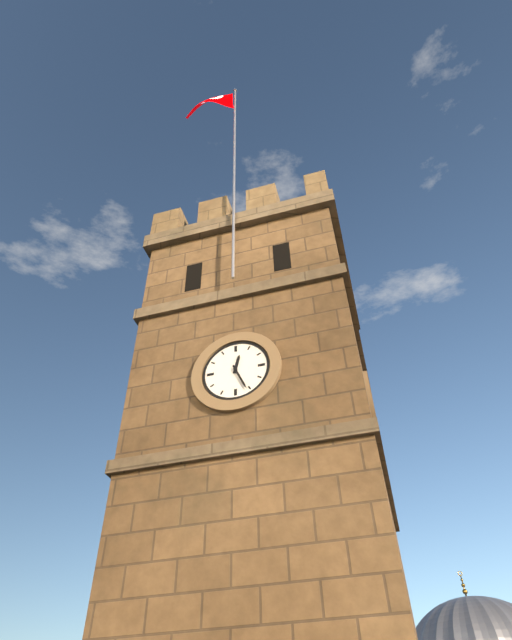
12:26
